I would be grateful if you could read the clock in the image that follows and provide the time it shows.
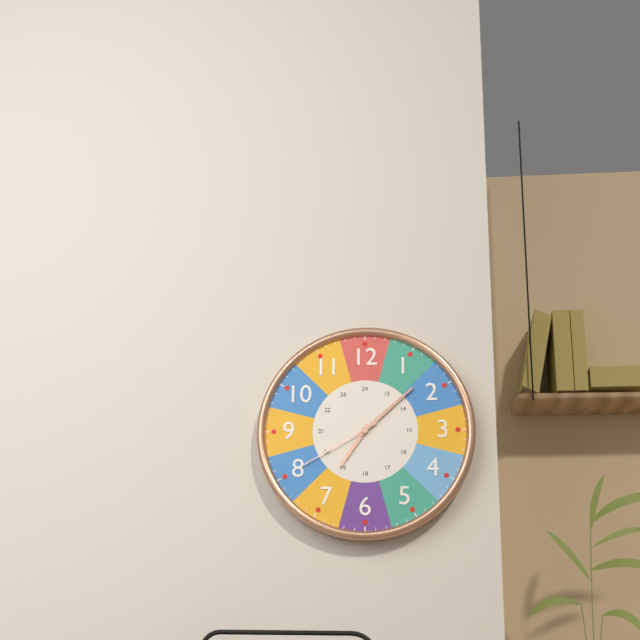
7:08:40
